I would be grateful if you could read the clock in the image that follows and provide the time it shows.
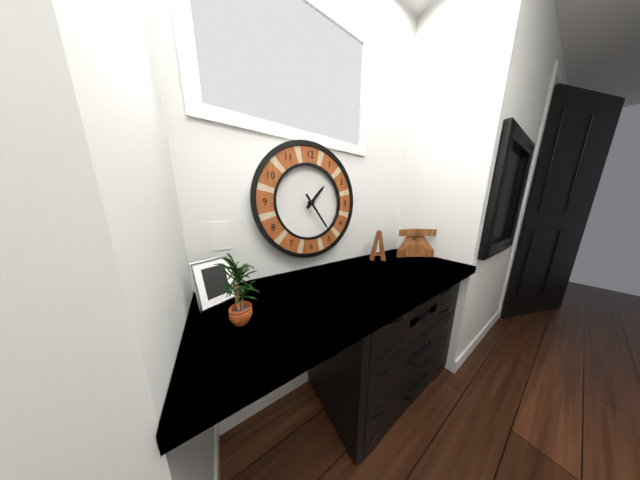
1:24
